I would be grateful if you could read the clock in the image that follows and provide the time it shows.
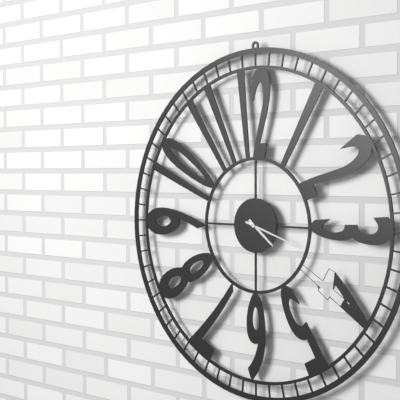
4:18
